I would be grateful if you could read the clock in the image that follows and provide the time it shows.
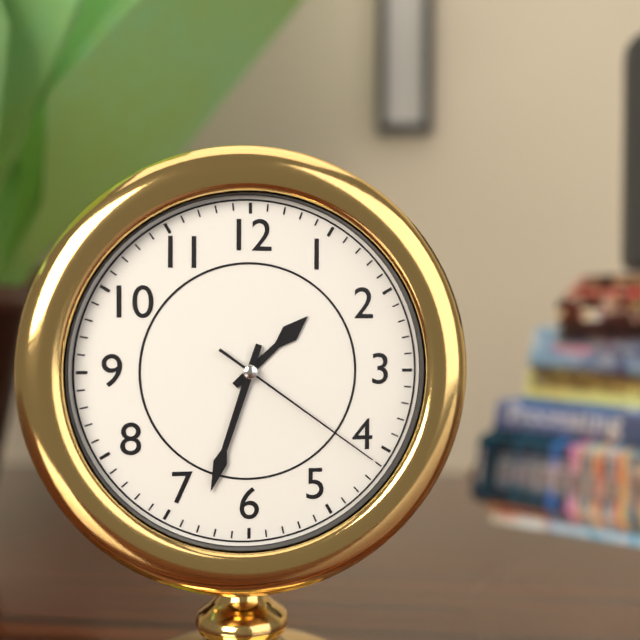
1:33:21
